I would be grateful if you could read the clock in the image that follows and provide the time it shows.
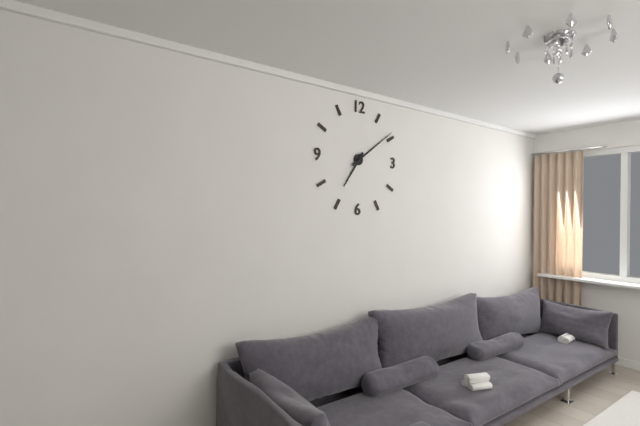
7:09
